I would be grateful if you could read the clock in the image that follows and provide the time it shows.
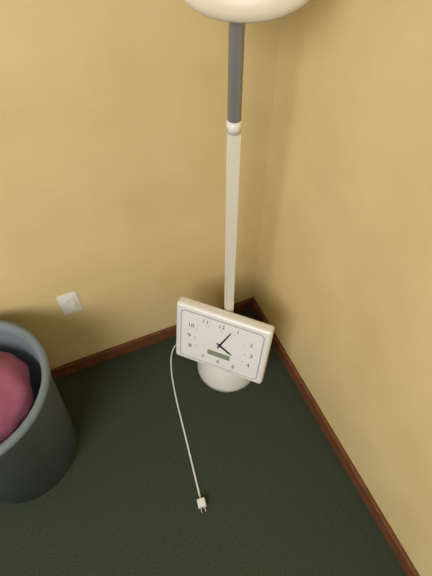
4:04
